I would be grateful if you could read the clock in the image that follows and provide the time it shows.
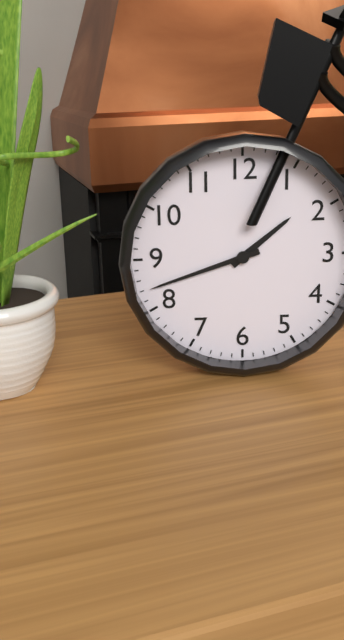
1:42
